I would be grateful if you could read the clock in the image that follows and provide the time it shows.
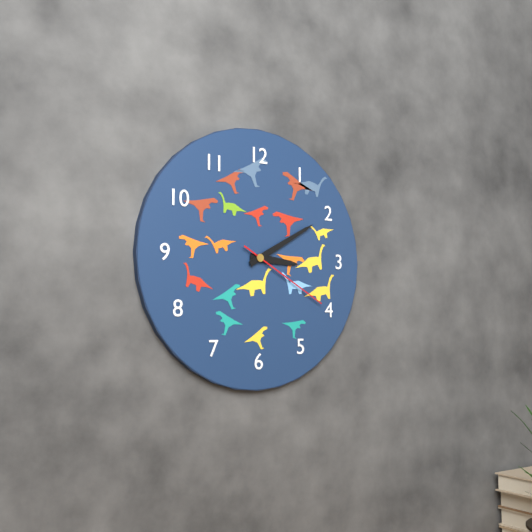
3:10:20
